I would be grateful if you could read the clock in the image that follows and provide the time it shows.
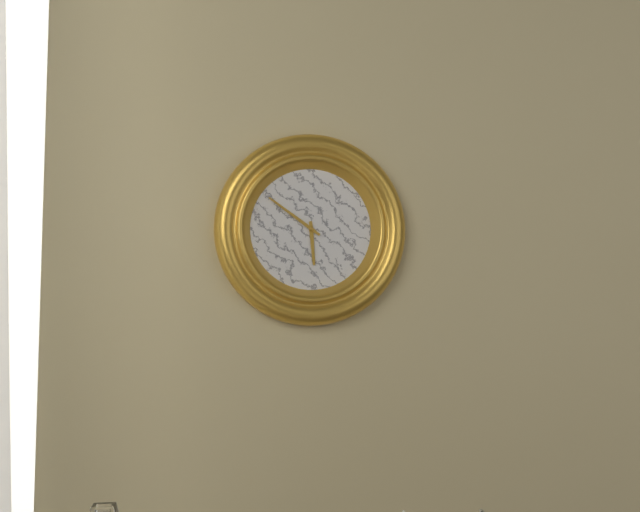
5:51
